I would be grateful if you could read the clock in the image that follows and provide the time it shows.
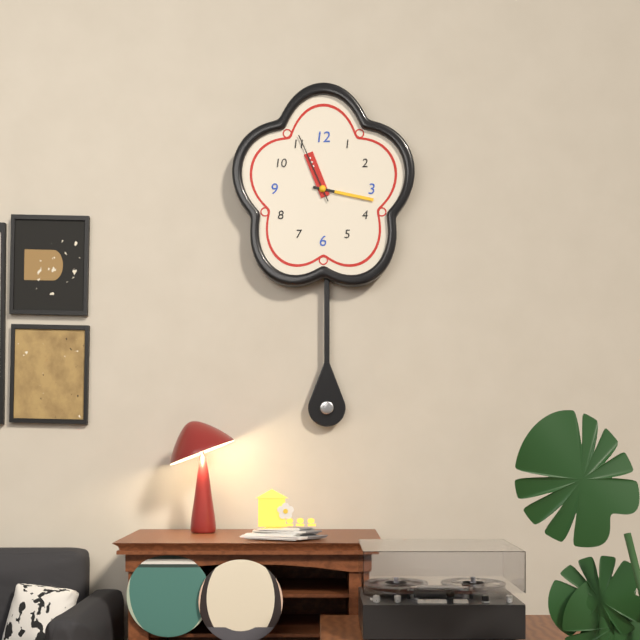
11:17:56
